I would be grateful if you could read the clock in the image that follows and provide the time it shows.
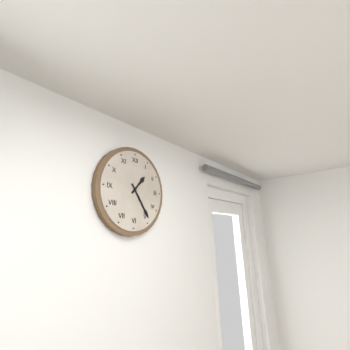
1:24
